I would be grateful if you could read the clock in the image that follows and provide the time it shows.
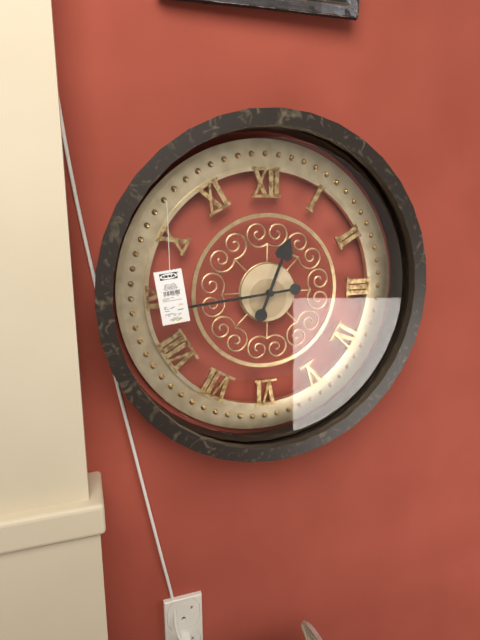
12:44
